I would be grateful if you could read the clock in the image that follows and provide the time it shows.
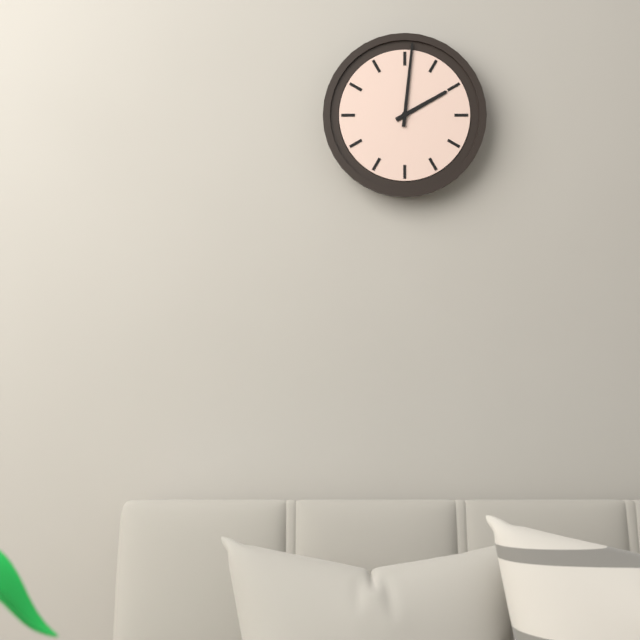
2:01
